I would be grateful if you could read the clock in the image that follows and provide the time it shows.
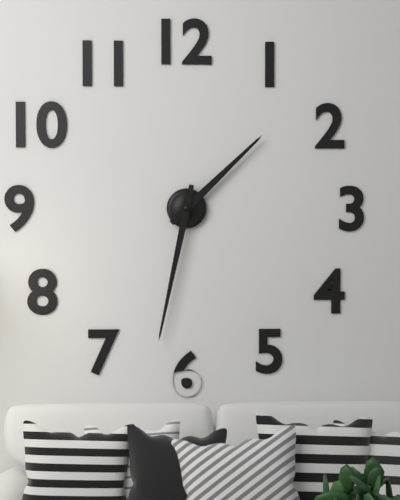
1:32
